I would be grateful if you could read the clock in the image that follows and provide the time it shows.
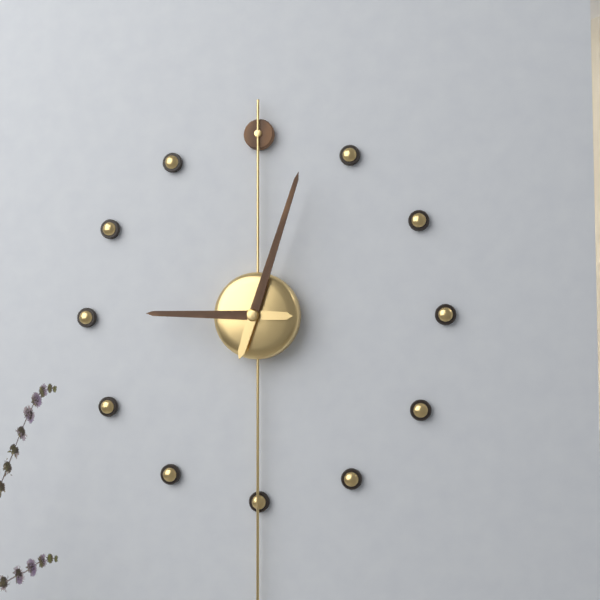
9:03
